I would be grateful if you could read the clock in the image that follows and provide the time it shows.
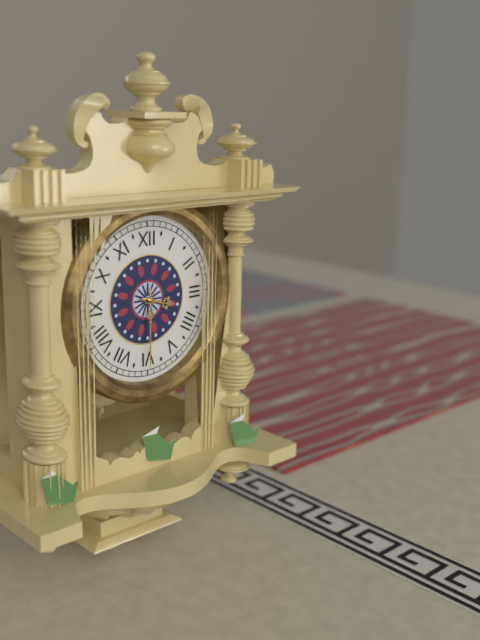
3:30
